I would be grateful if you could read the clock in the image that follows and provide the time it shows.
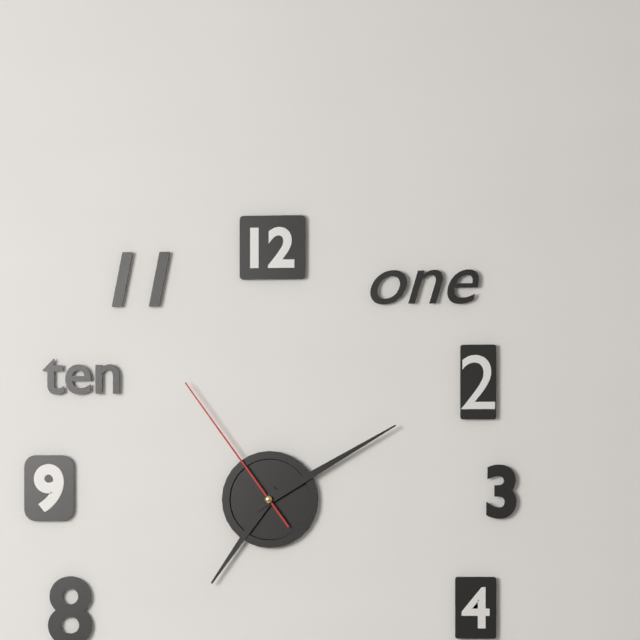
7:10:54
